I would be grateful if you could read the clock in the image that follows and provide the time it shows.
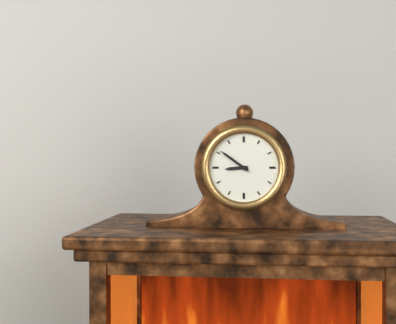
8:51
